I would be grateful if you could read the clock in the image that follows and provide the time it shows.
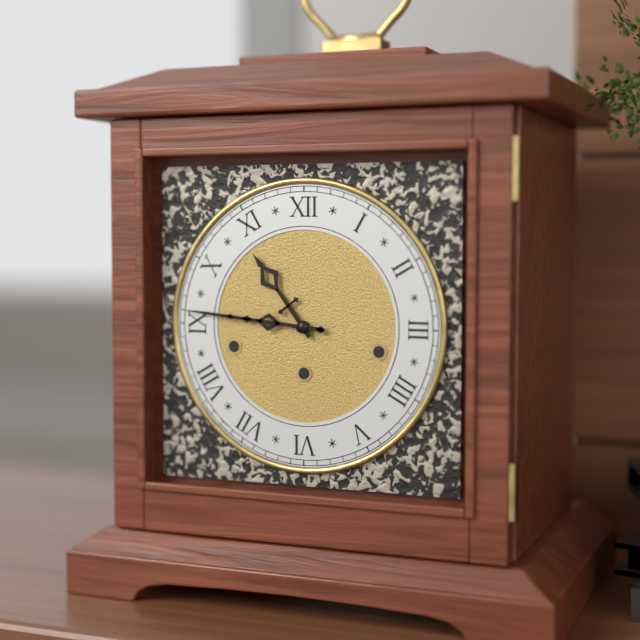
10:46
